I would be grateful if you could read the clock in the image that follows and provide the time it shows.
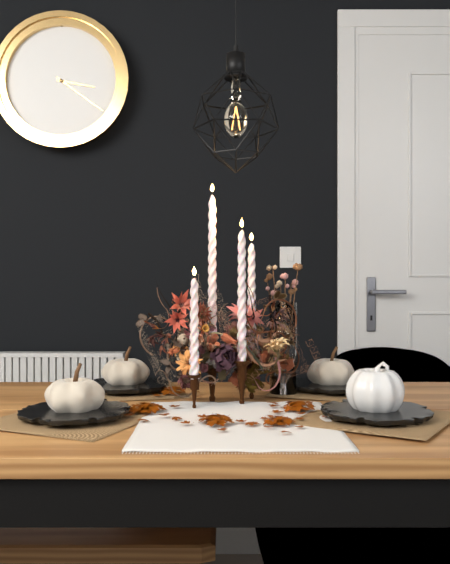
3:21
